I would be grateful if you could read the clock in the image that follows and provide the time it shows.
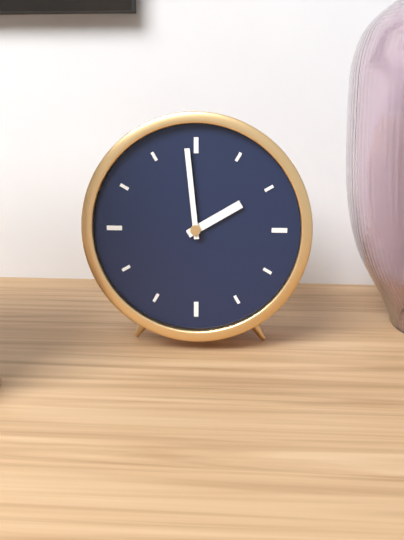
1:59
